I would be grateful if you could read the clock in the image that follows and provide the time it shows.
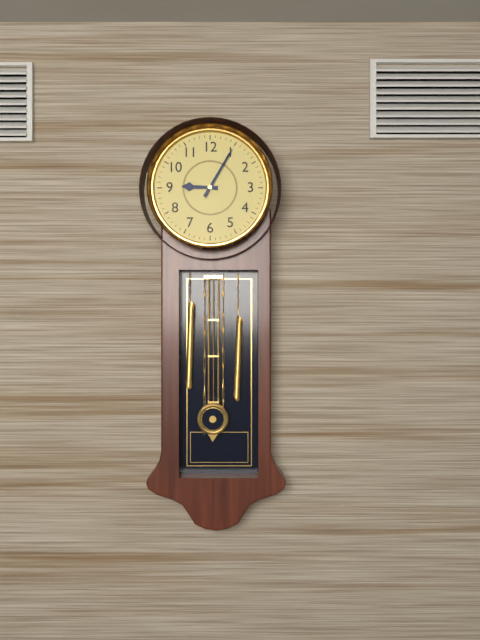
9:05
